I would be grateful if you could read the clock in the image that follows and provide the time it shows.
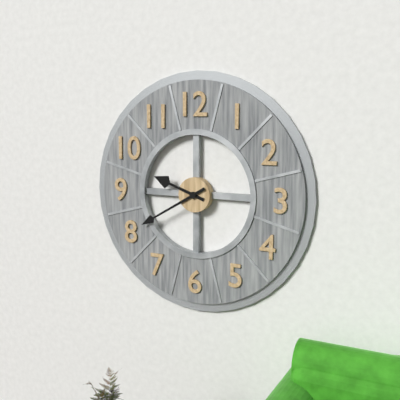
9:40
